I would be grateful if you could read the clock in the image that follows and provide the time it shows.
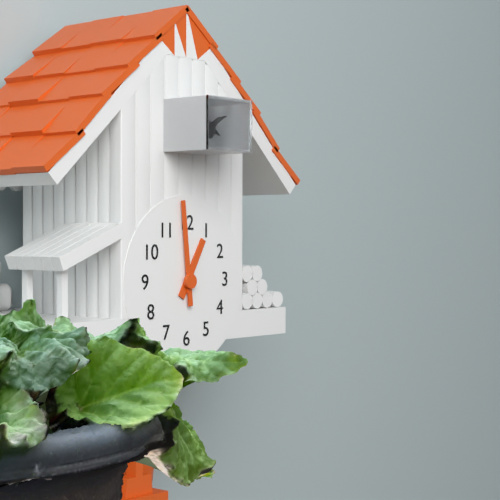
12:59
